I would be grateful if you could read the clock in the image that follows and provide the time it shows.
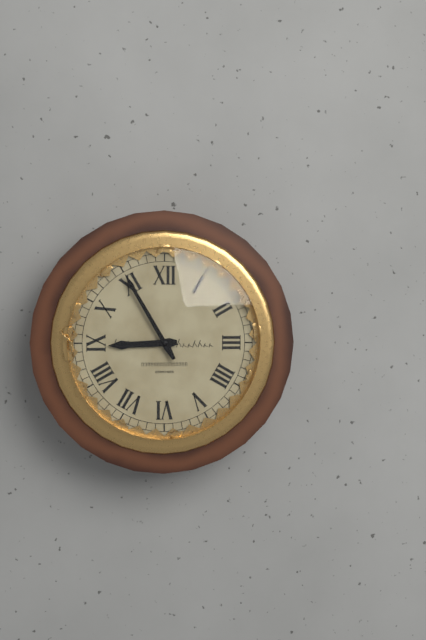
8:55
